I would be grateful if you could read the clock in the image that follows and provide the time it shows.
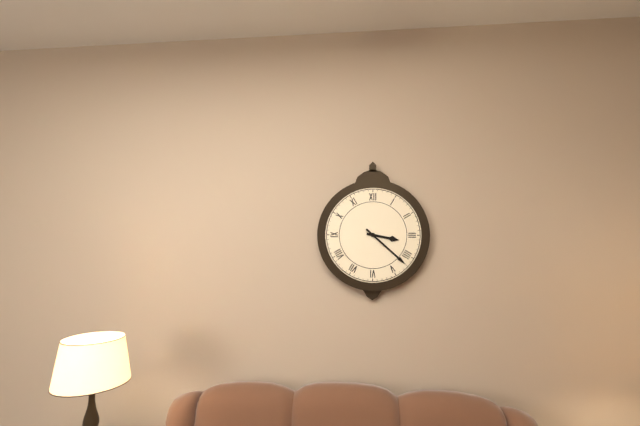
3:22
